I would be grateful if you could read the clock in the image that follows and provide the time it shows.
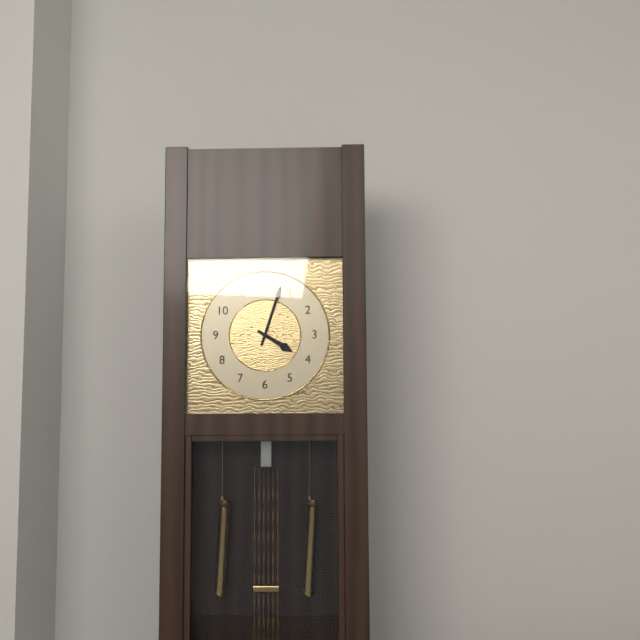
4:03
